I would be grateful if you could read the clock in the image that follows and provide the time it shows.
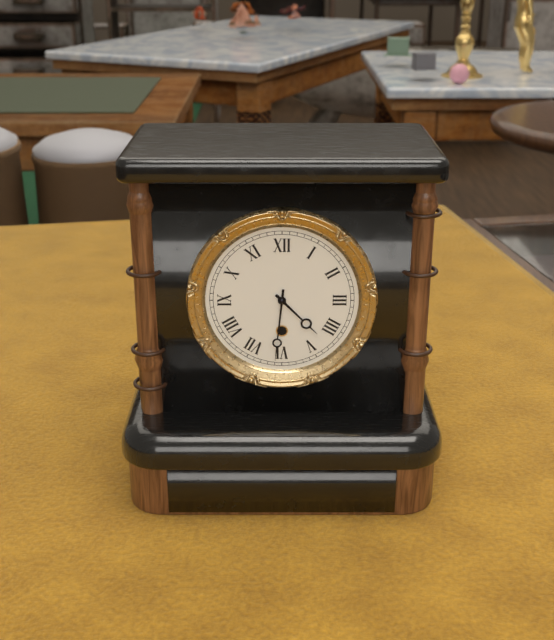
4:31
